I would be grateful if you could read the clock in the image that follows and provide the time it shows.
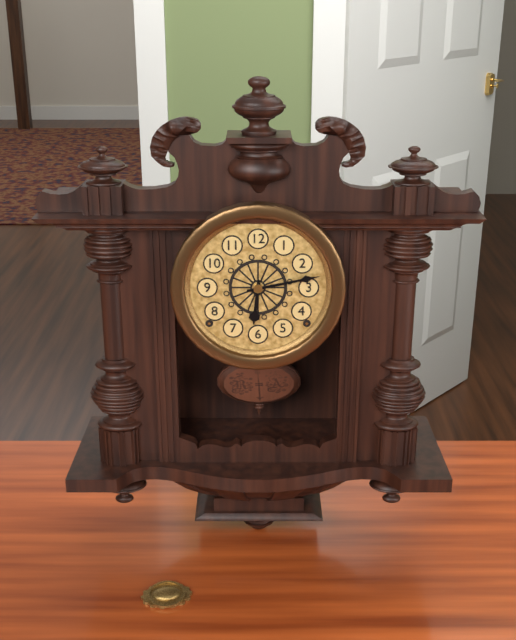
6:13
